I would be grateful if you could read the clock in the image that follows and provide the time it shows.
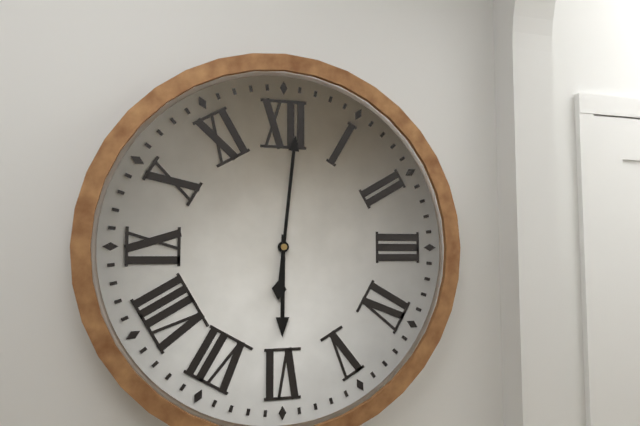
6:01
